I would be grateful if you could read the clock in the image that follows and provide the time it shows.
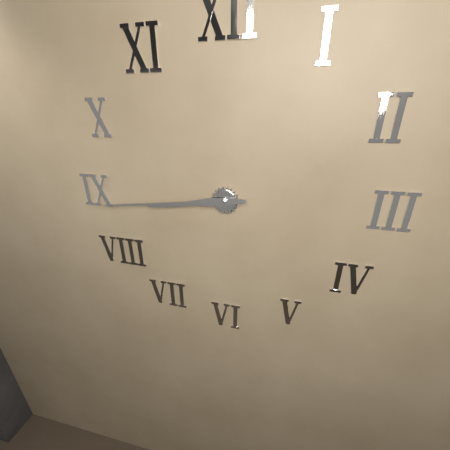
8:44
